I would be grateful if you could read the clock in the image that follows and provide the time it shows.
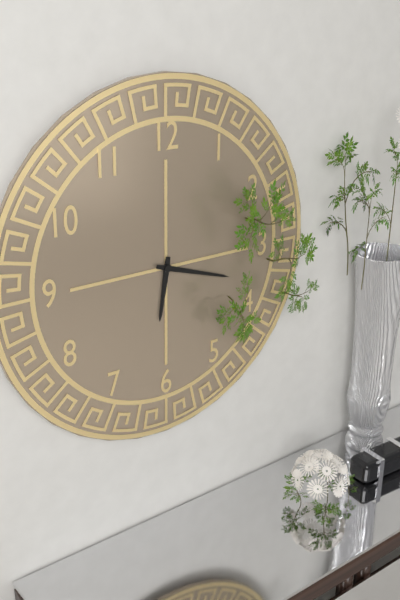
6:18
